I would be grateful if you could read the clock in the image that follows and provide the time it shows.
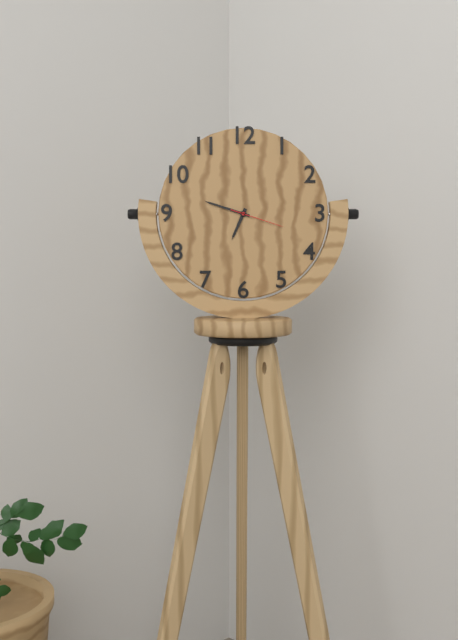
6:48:18
